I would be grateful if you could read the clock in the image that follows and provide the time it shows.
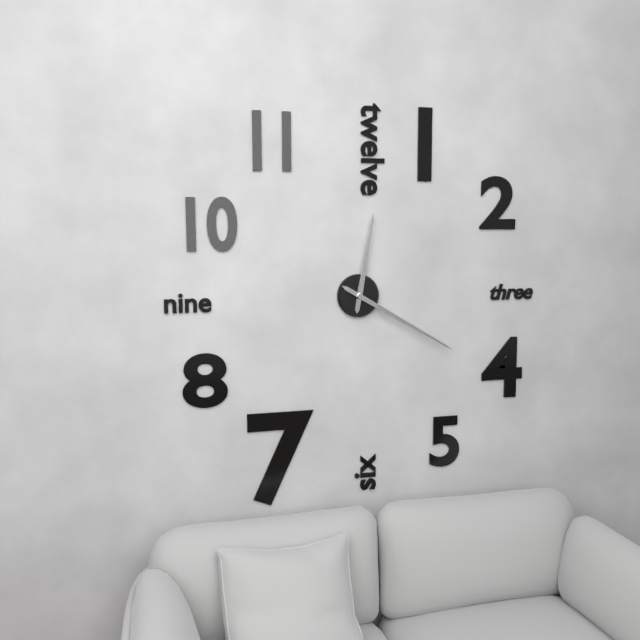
12:20
